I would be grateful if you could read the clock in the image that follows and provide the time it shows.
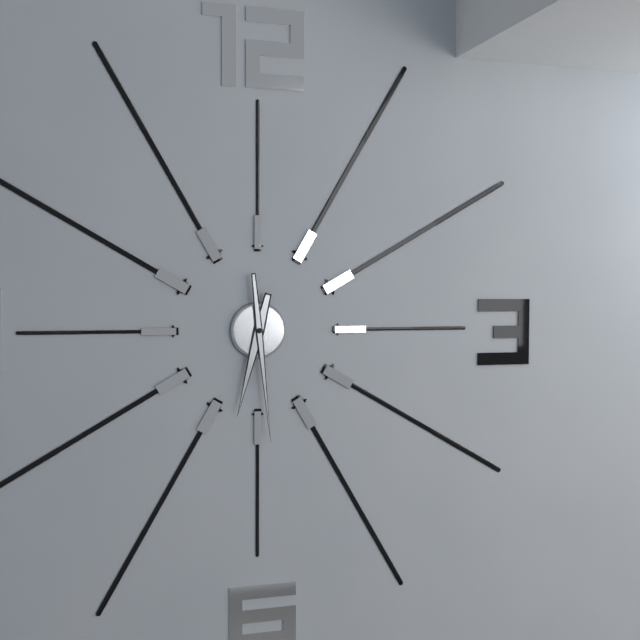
6:29
